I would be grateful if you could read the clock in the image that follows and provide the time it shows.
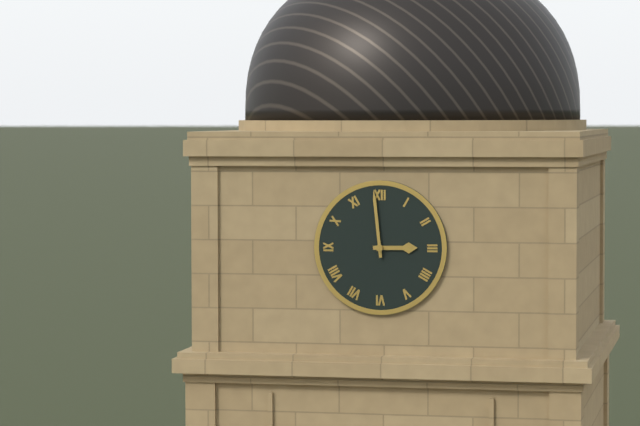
2:59
